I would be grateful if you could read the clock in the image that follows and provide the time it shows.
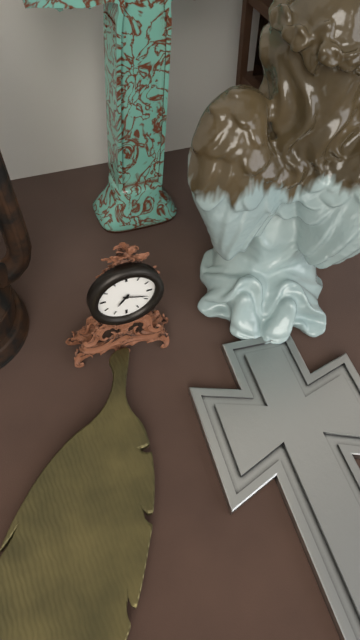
7:18
